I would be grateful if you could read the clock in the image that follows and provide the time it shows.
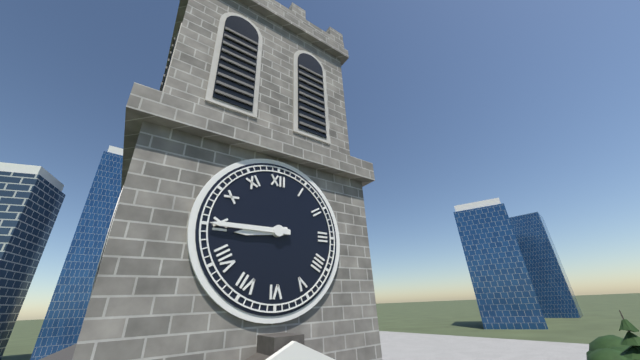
8:45
